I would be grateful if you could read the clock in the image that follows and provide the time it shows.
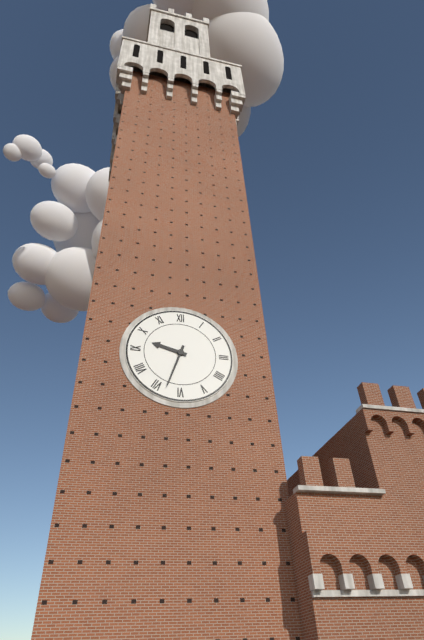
9:33
